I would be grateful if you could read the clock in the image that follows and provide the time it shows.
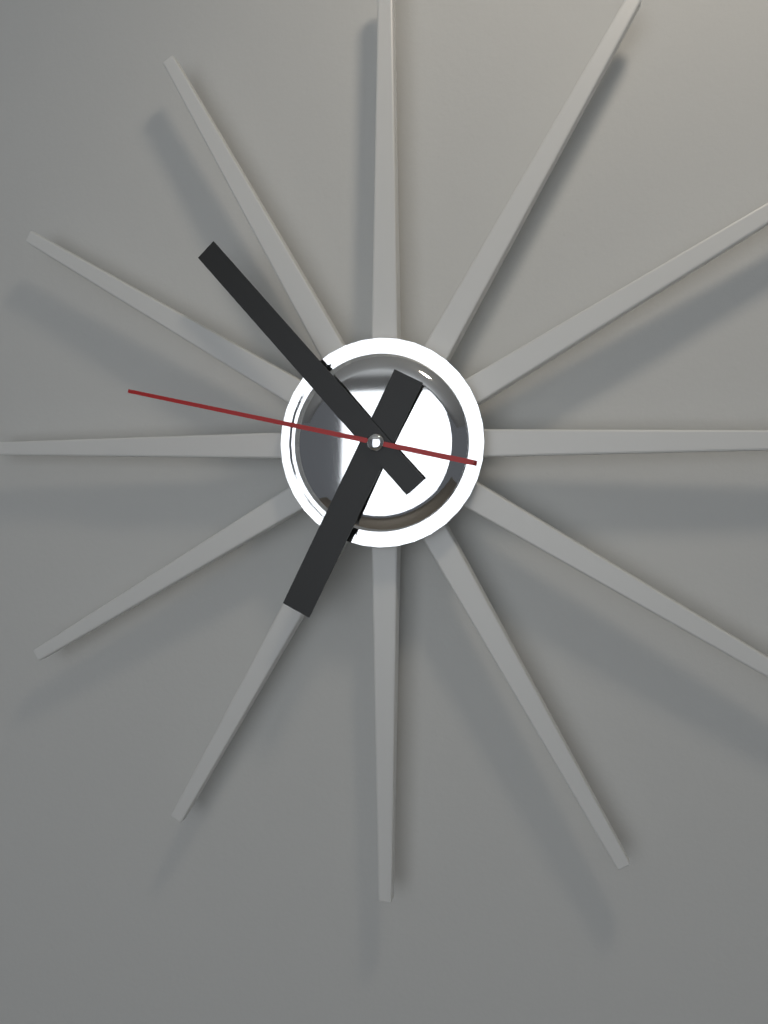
6:53:47
